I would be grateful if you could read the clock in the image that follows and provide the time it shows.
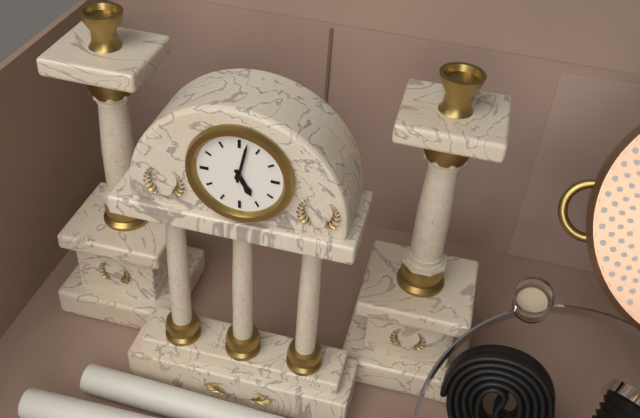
5:02
